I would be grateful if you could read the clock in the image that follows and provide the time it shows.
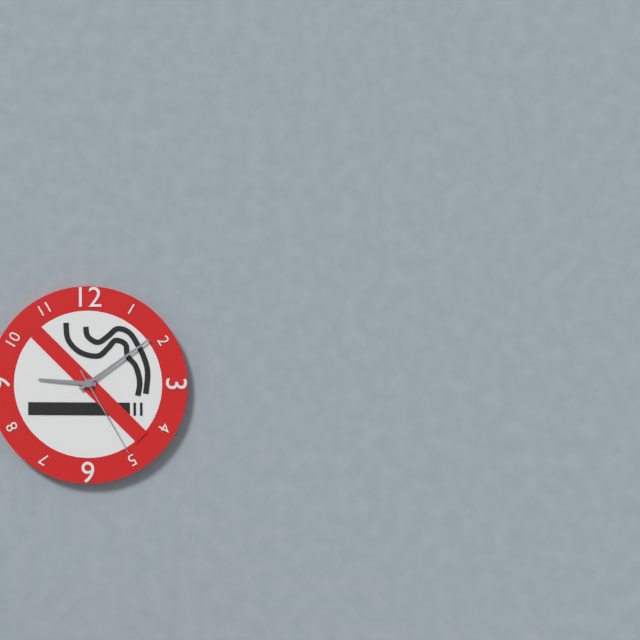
9:09:25
